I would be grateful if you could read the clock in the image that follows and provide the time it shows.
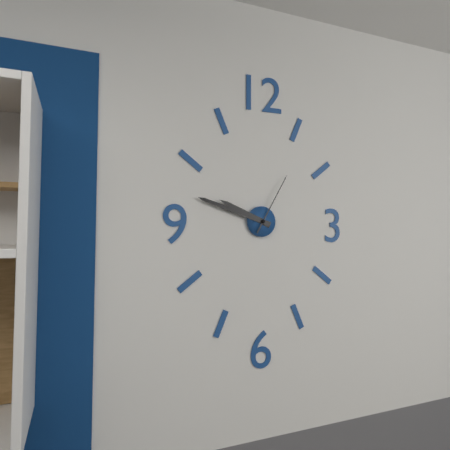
9:48:05
